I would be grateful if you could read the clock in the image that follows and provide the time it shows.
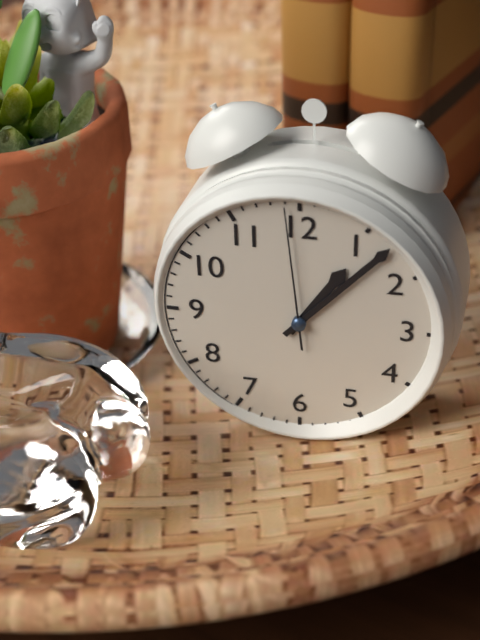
1:07:59
